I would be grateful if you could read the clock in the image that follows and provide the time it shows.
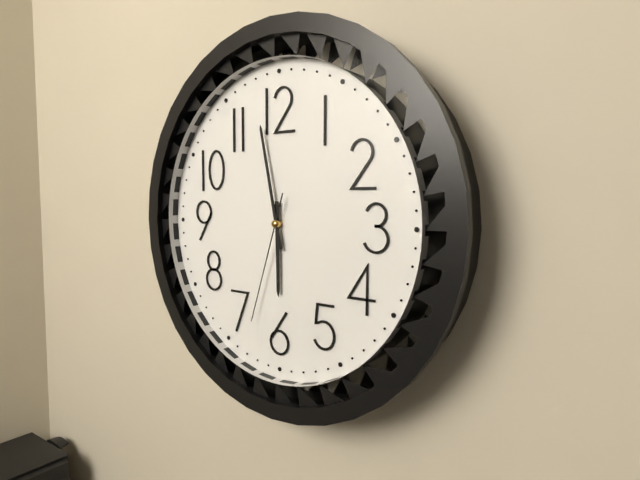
5:58:33
